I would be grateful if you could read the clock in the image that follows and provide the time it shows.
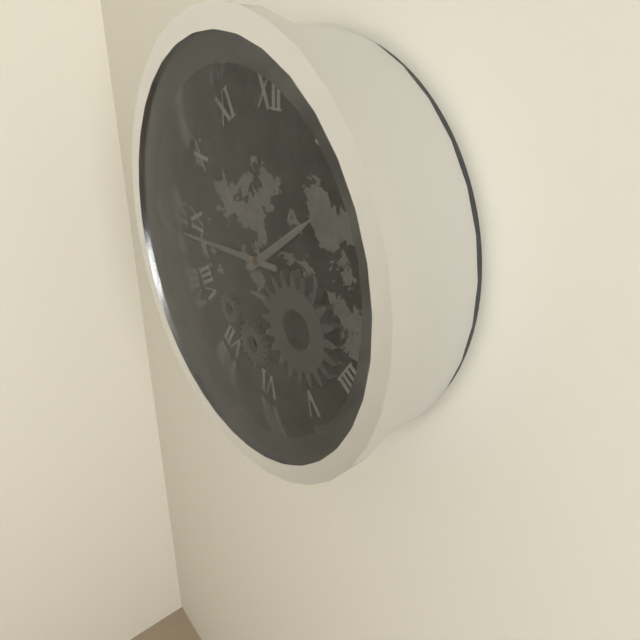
1:44
